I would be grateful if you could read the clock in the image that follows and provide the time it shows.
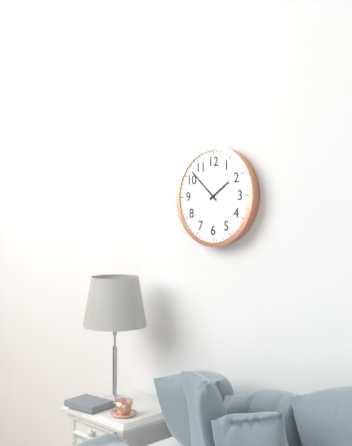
1:52
